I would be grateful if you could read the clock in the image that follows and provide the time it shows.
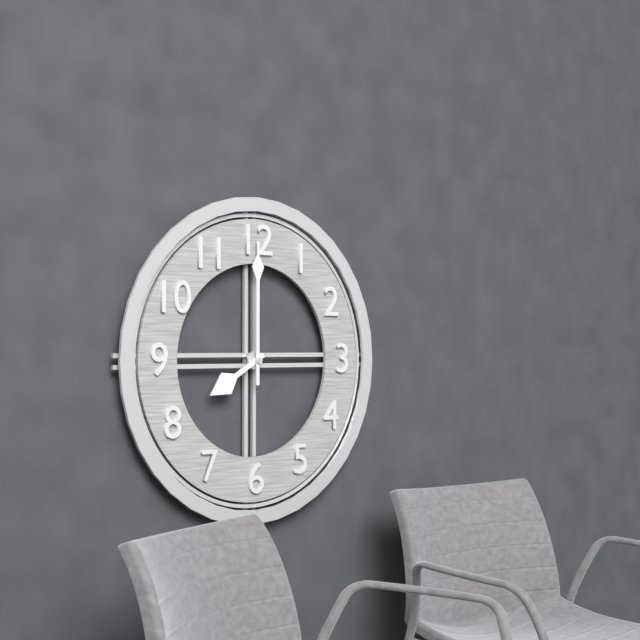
8:00
